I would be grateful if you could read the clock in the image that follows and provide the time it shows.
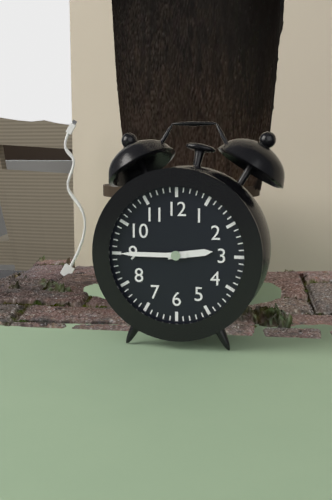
2:45
